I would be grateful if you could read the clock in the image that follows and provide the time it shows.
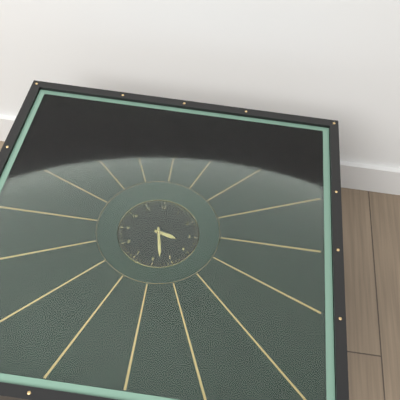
3:28
